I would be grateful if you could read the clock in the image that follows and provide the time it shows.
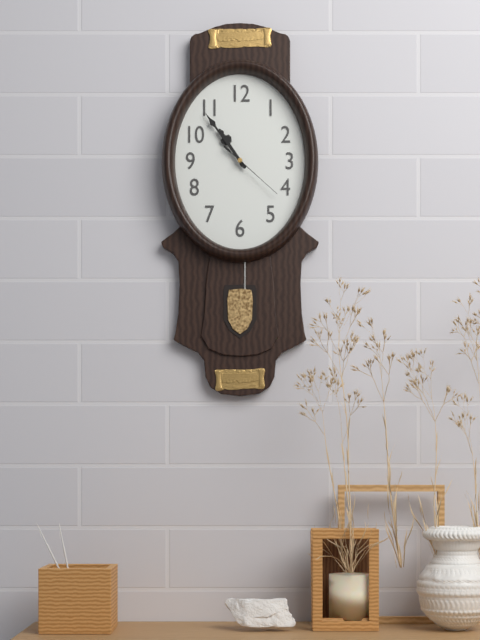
10:54:22
